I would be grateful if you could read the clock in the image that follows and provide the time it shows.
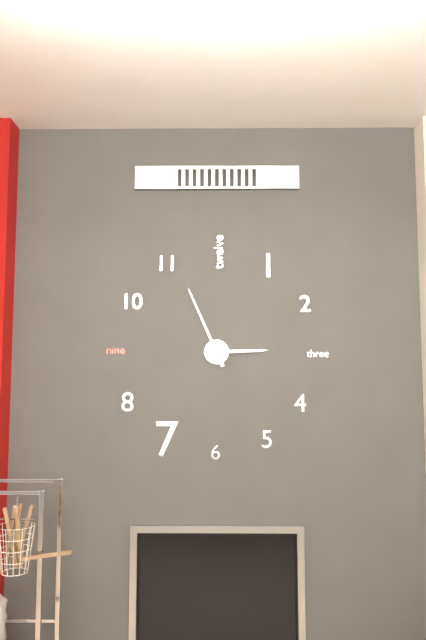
2:56
